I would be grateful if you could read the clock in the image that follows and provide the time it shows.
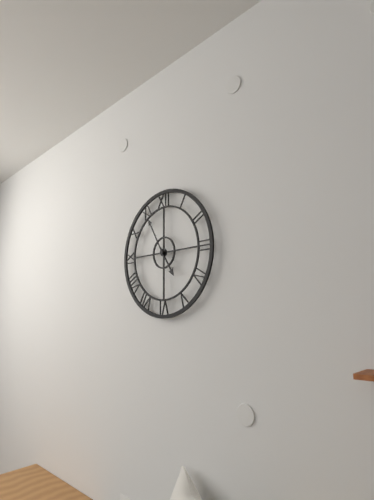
4:55
